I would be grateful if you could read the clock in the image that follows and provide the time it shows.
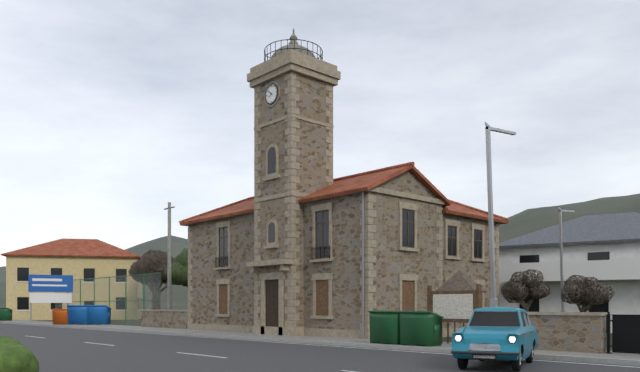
7:52
